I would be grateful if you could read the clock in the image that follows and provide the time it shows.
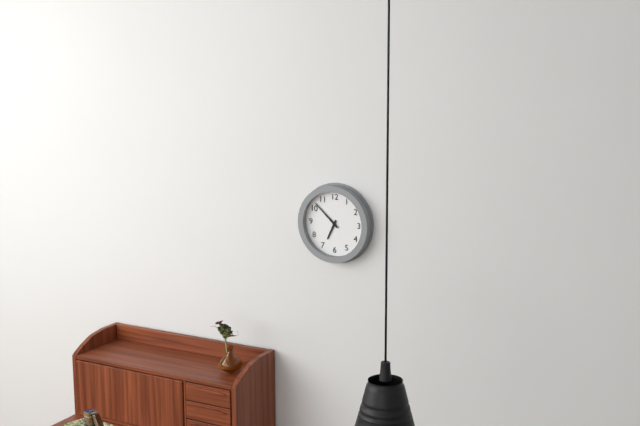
6:52
